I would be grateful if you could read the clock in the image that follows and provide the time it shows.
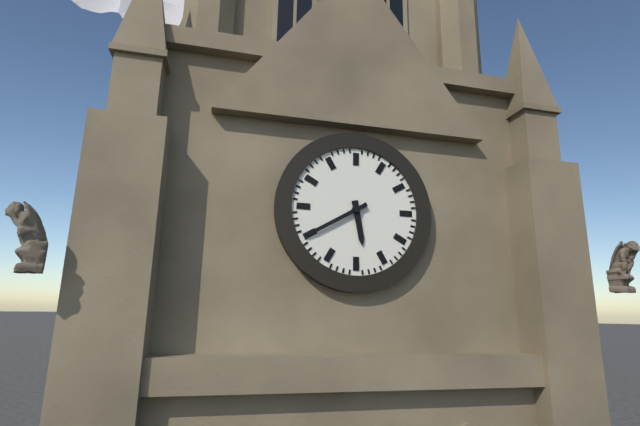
5:40
